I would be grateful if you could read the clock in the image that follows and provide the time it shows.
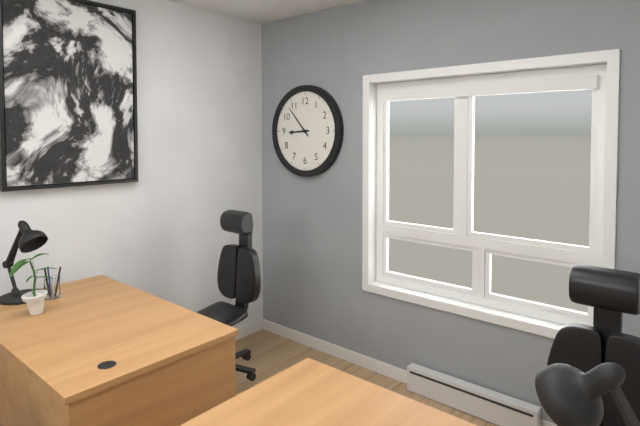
8:53
